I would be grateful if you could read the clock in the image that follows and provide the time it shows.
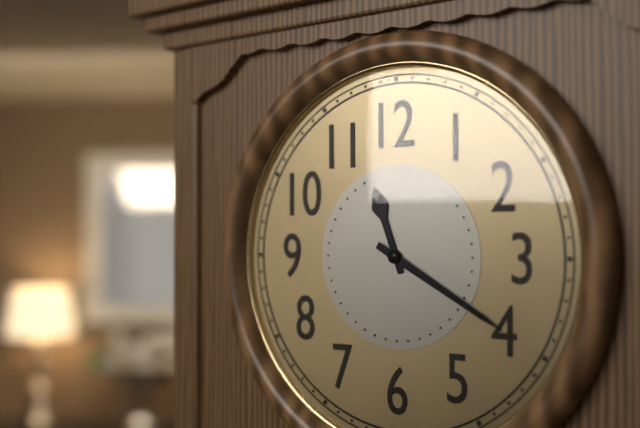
11:20
